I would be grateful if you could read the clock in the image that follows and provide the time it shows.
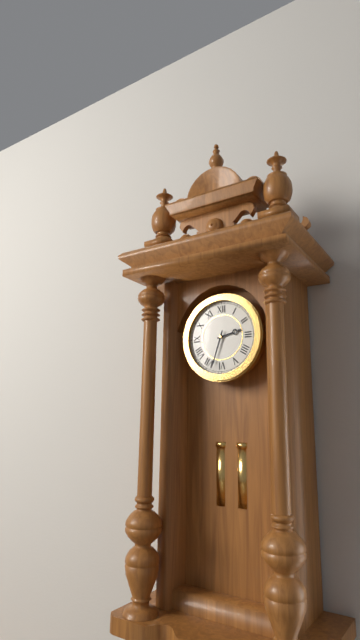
2:33
